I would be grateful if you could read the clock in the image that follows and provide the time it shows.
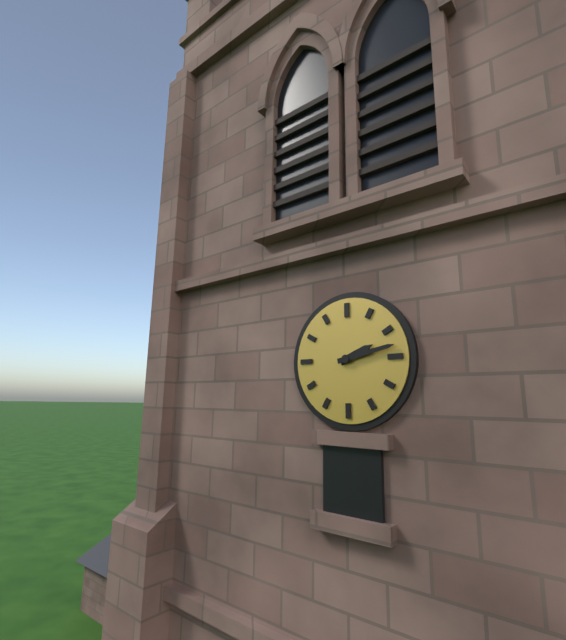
2:13
